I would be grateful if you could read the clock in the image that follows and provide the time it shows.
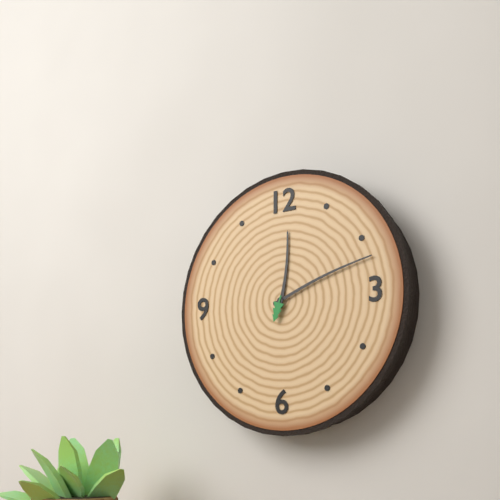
12:12
